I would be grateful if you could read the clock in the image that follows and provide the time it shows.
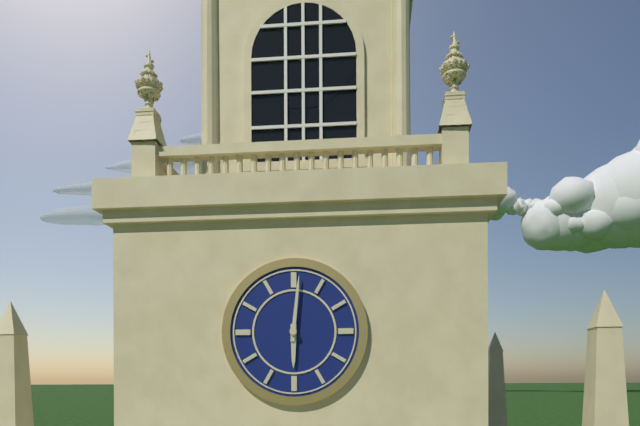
6:01
